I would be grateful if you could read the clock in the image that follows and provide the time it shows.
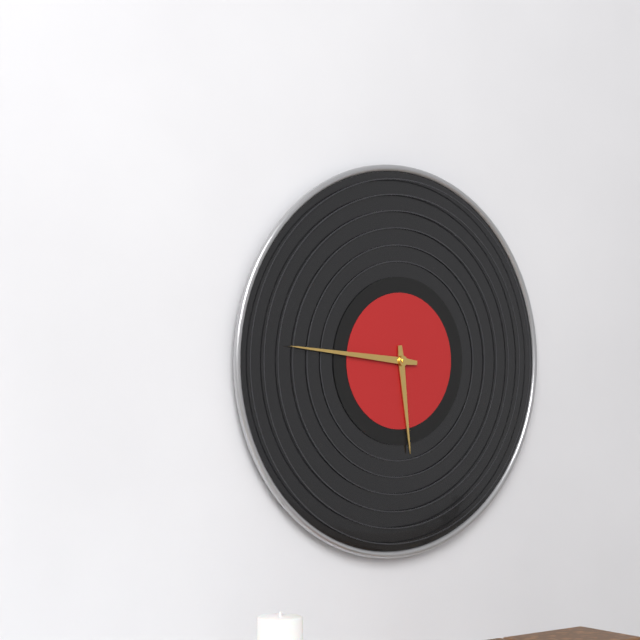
5:46
